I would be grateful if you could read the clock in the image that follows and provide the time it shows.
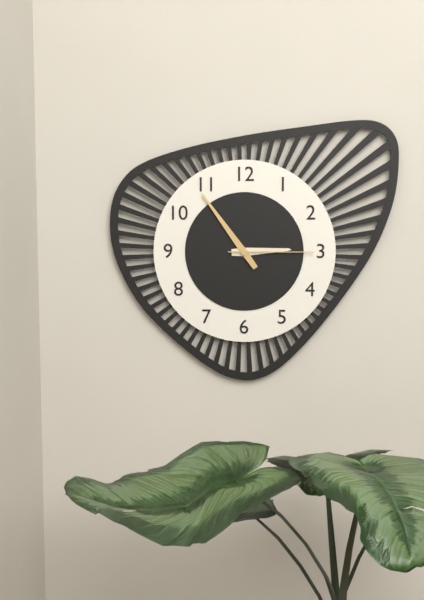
2:54:15
